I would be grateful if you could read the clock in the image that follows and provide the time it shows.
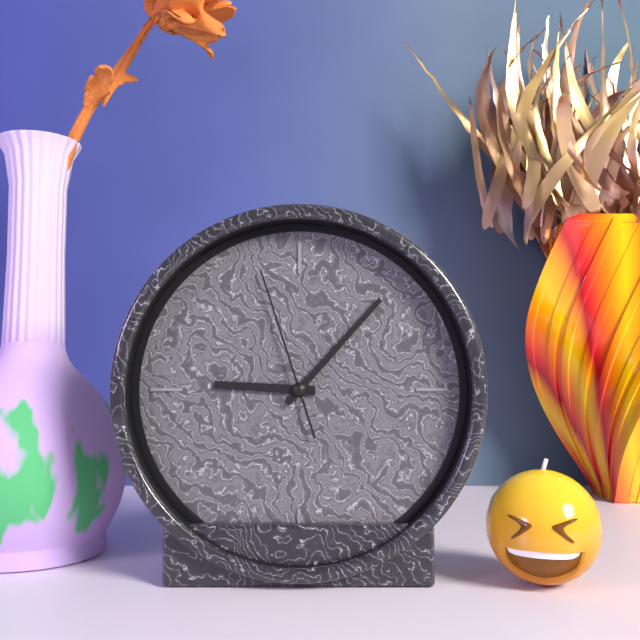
9:07:57
